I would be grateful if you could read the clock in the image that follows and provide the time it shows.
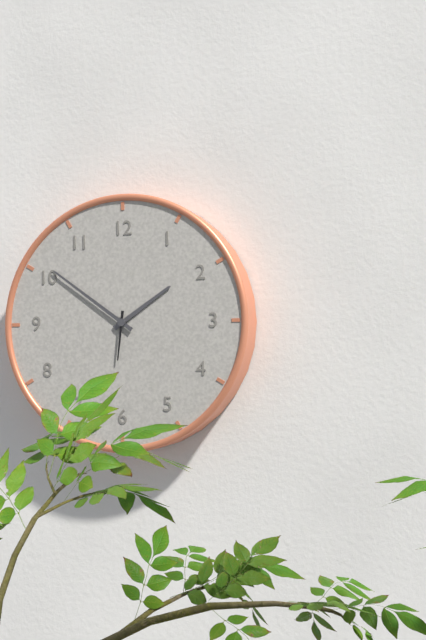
1:51
